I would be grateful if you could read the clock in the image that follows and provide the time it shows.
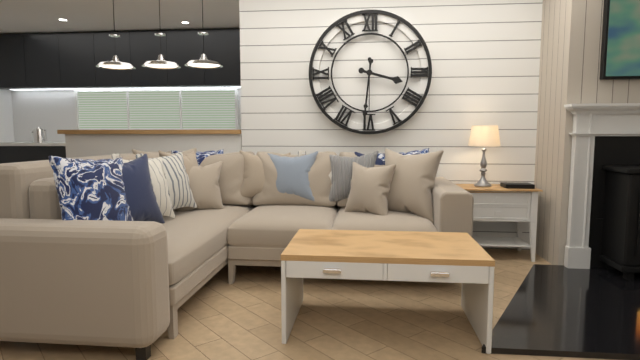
3:31
